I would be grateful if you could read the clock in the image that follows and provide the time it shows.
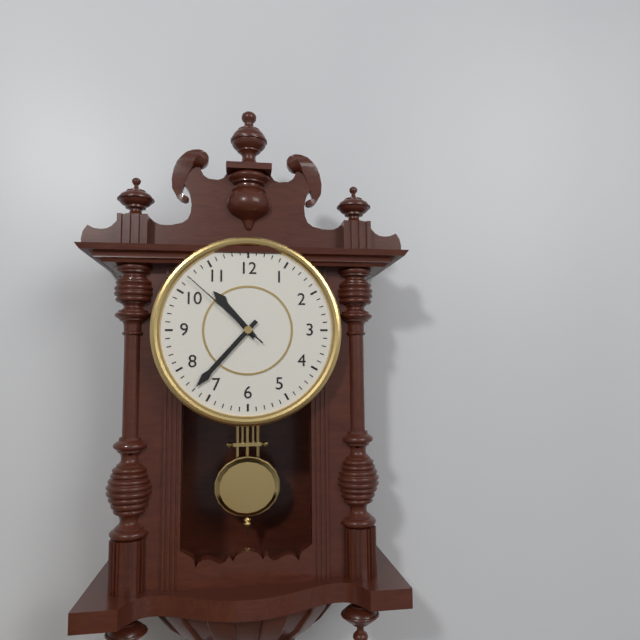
10:37:52
